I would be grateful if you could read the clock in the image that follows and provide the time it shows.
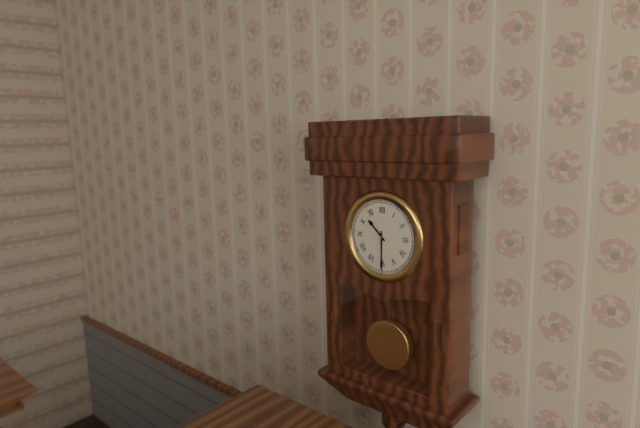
10:30
